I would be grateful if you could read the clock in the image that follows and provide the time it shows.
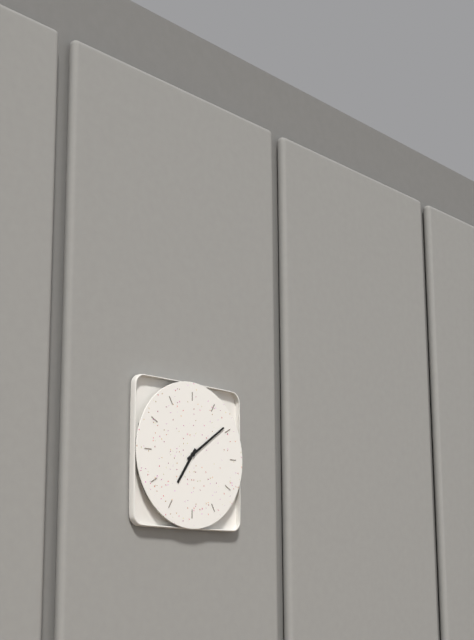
7:09
